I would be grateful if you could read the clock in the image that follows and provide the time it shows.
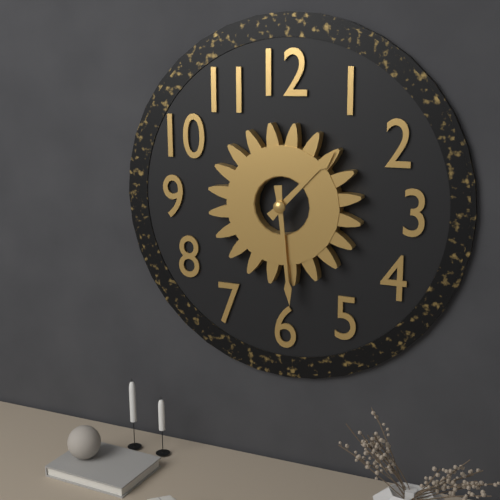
1:29
